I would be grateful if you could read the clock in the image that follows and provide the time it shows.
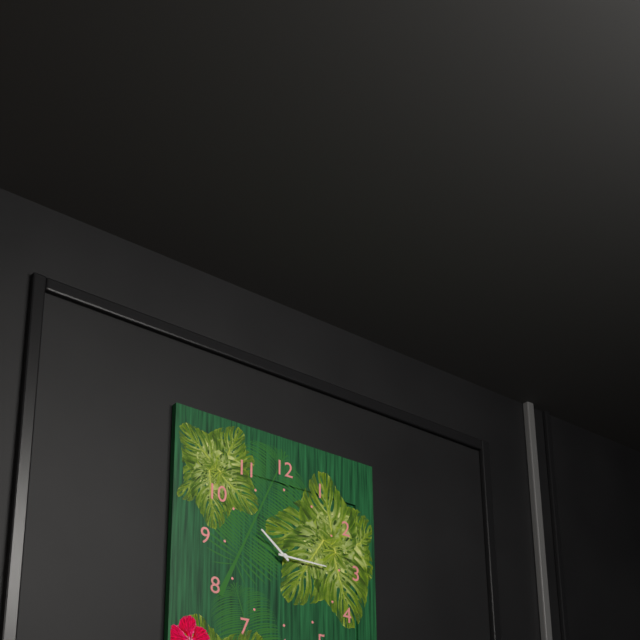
10:15
